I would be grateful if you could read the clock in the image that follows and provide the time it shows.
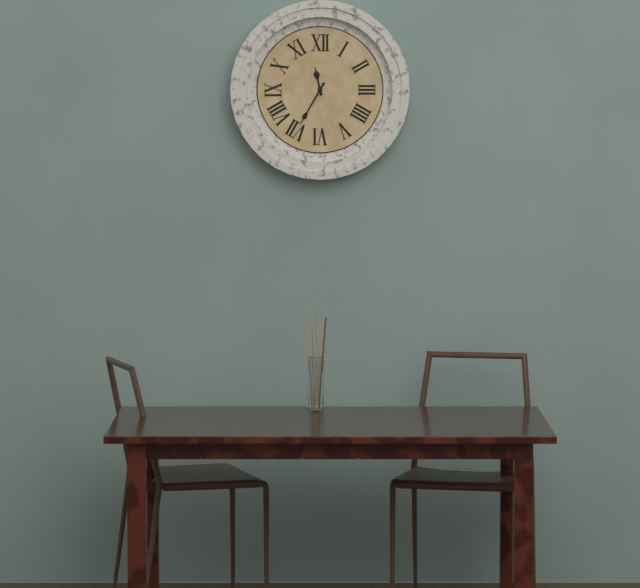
11:35
